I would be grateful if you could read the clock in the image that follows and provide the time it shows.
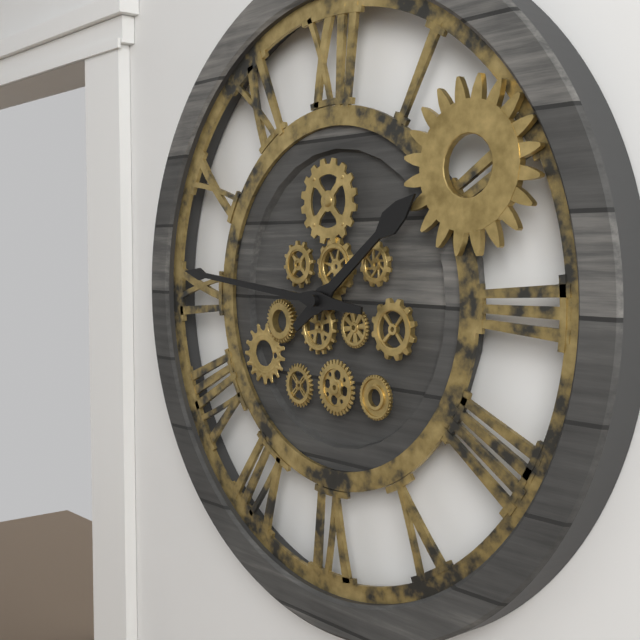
1:46
